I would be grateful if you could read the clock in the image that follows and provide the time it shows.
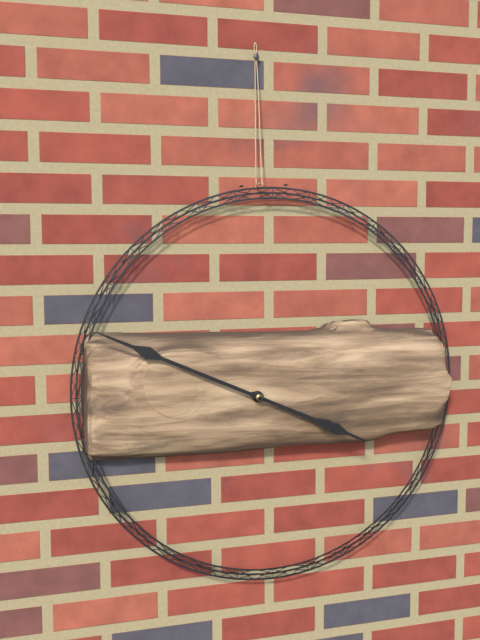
3:49
